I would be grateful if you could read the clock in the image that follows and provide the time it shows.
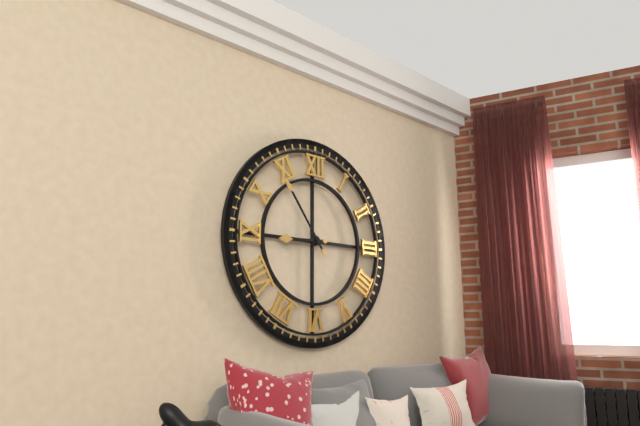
8:54
